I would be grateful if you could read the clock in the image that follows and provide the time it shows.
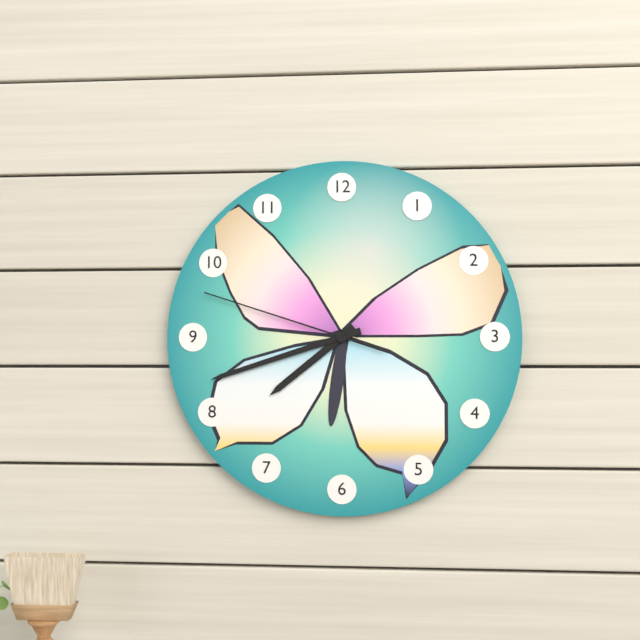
7:42:48
